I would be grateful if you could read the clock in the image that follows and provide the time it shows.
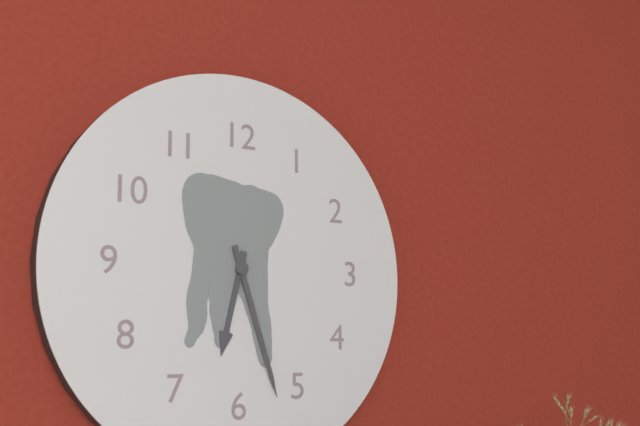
6:27
